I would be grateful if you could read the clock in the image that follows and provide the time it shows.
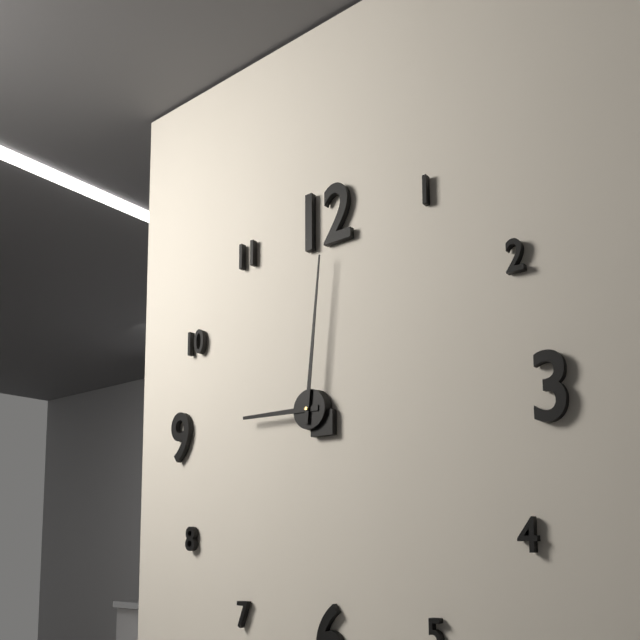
9:01
